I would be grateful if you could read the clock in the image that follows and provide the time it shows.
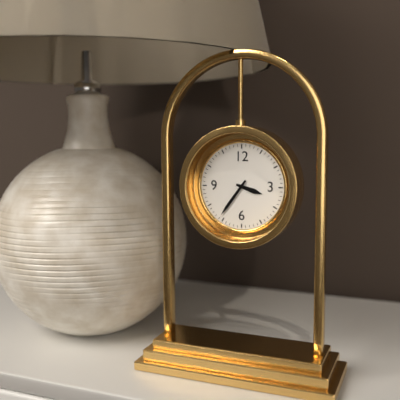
3:36
